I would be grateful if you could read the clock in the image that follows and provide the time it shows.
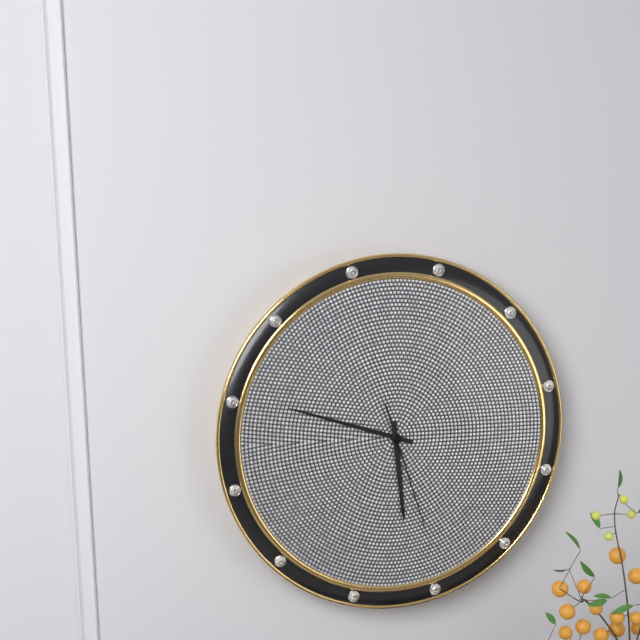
5:48:27
